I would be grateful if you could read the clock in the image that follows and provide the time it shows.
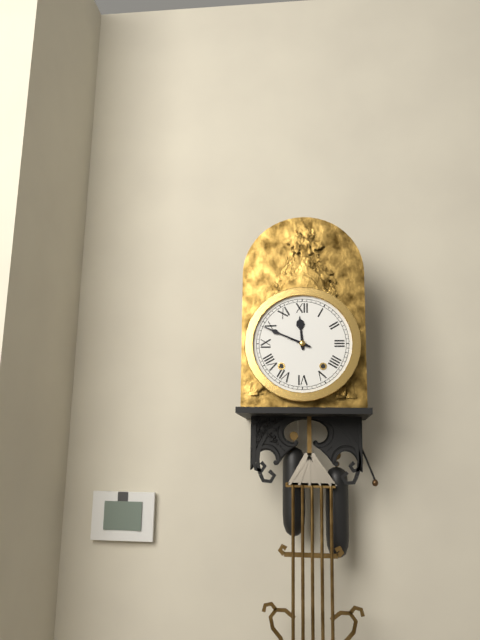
11:49
